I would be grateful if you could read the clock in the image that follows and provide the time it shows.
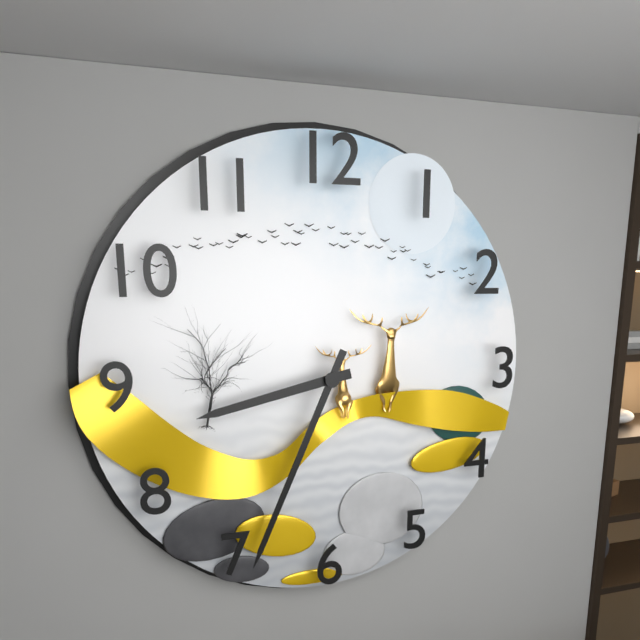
8:34
